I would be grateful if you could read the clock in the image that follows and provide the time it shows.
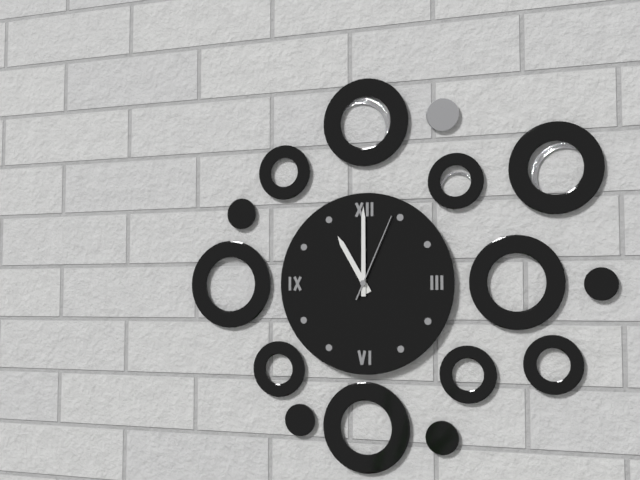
11:00:04
